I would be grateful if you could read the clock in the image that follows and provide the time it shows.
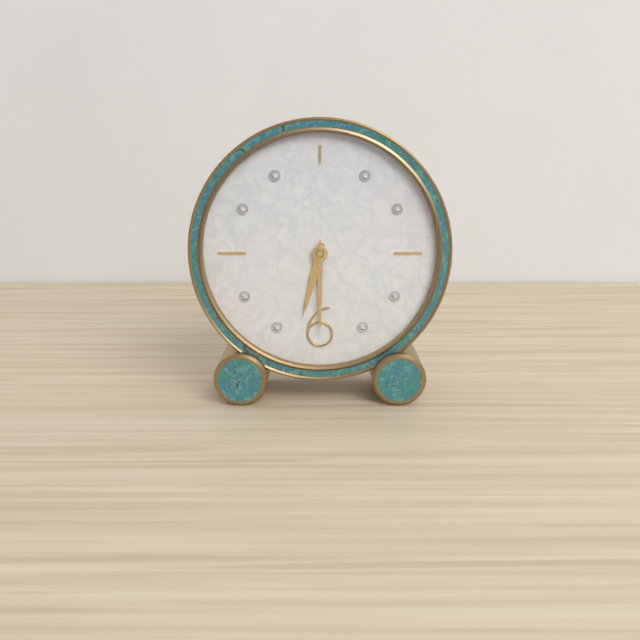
6:30
